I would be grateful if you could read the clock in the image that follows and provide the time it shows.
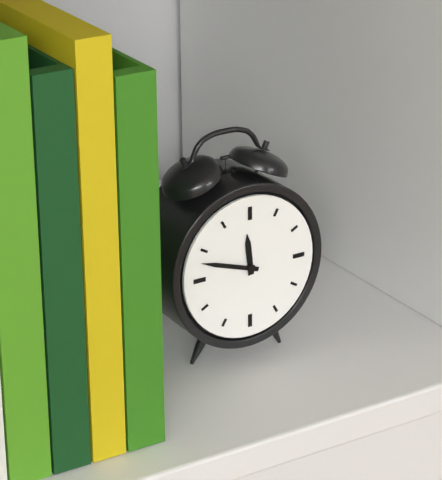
11:48
